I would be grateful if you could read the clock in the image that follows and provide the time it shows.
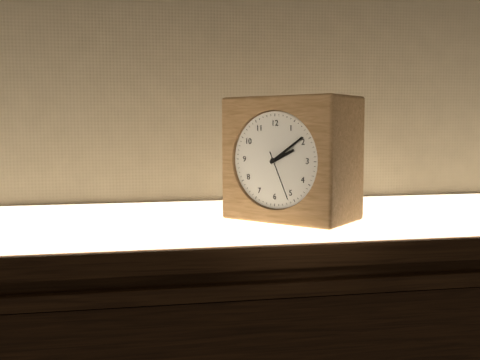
2:09:26
